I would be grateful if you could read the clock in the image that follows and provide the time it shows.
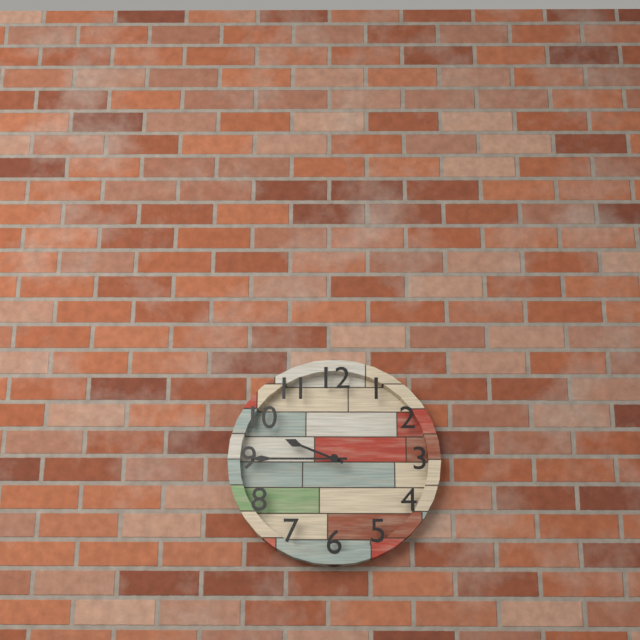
9:45
